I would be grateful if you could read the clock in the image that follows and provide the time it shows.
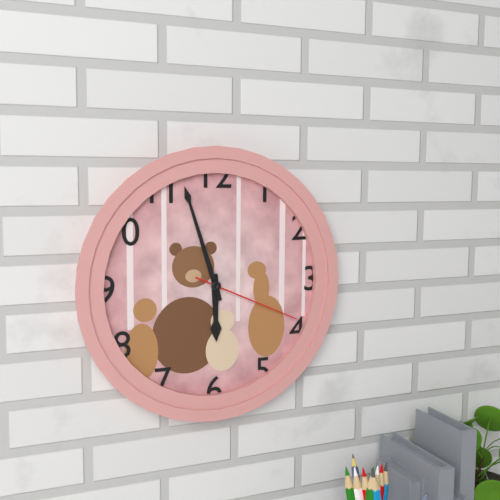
5:57:19
